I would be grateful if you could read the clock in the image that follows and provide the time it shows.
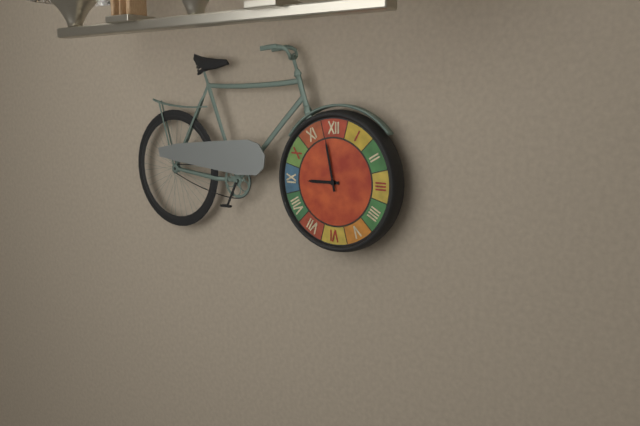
8:58
